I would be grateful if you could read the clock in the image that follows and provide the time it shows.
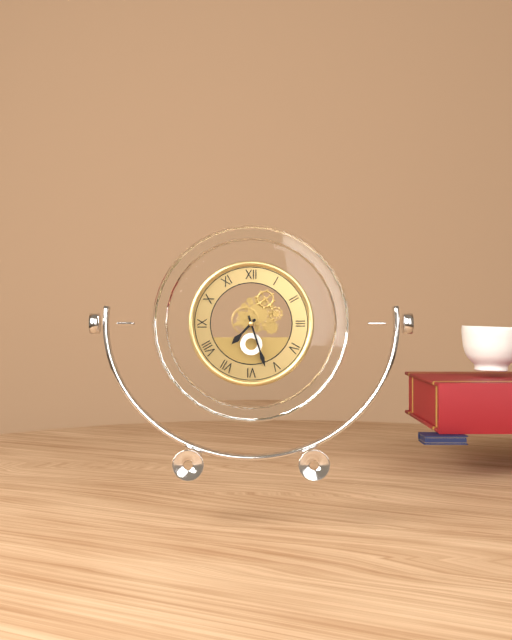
7:27
